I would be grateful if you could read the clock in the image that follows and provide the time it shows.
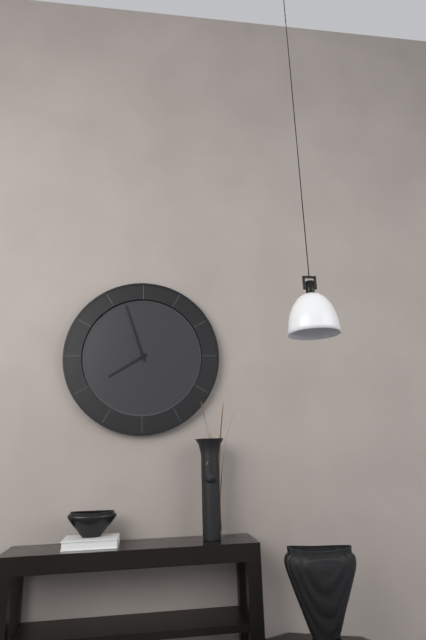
7:57
